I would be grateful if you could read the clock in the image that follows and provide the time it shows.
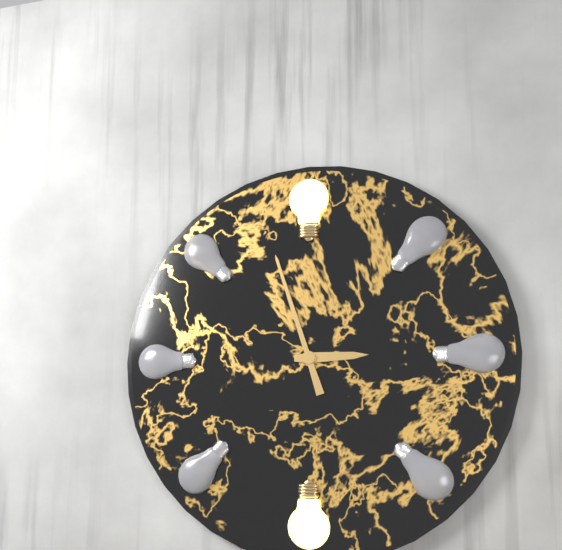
2:57
